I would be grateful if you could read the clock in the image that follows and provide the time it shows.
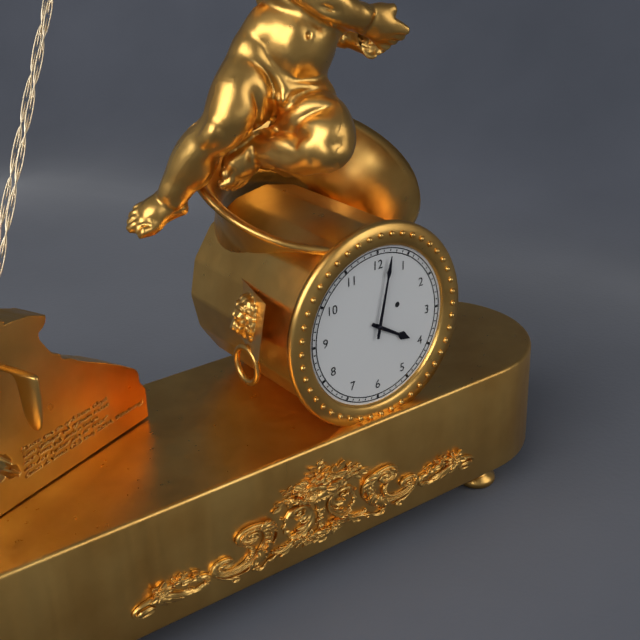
4:02
